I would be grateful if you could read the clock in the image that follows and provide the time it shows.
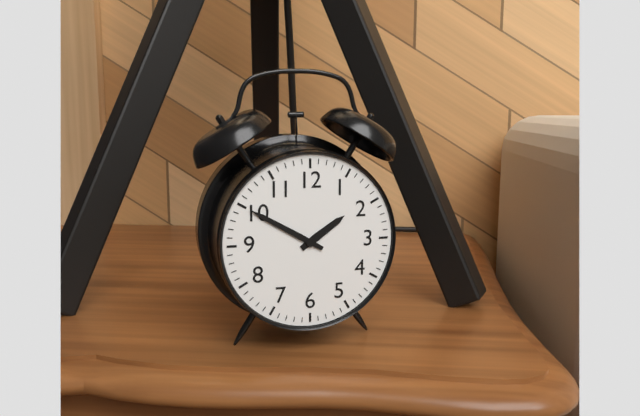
1:50
